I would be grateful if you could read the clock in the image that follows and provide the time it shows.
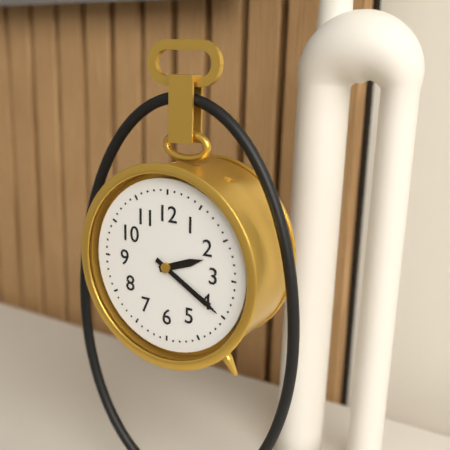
2:20
